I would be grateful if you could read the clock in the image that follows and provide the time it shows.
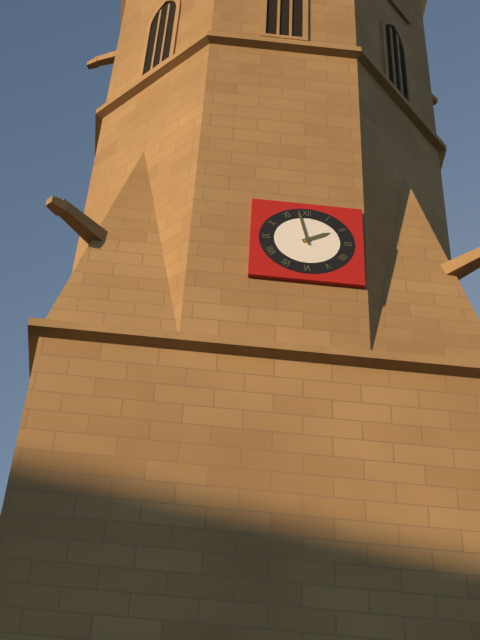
1:58
